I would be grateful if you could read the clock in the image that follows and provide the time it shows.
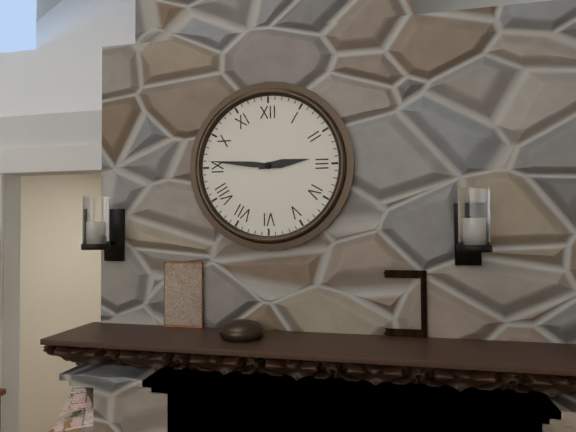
2:46
